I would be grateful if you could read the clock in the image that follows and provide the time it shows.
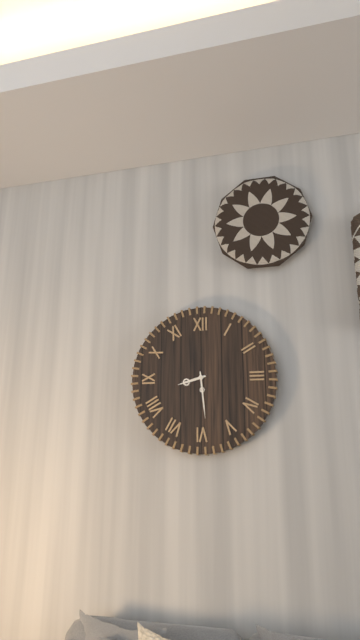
8:29
